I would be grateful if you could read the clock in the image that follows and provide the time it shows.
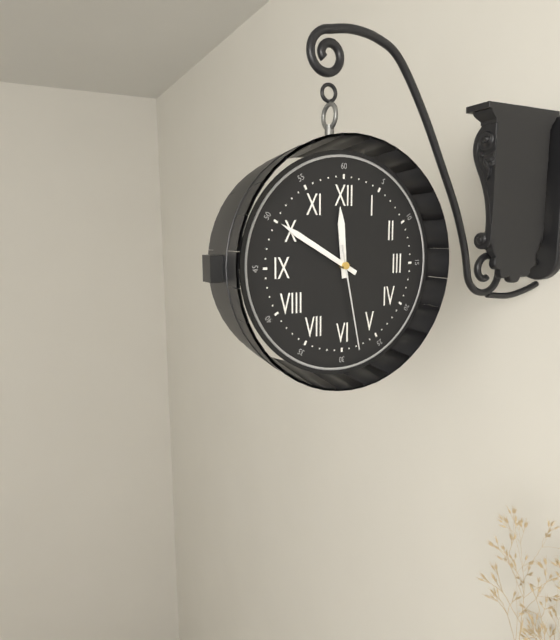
11:50:28
